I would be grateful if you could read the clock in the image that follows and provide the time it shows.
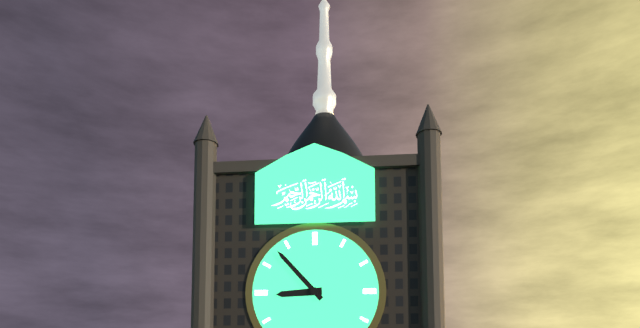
8:53
